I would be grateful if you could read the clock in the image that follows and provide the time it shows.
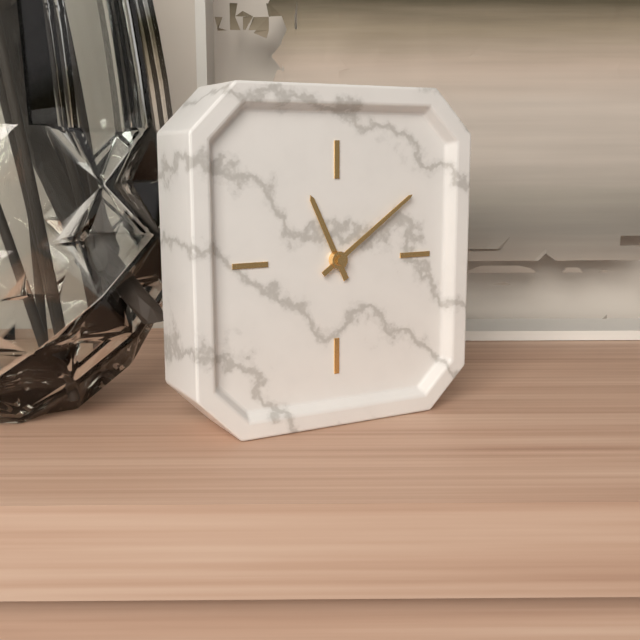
11:09
